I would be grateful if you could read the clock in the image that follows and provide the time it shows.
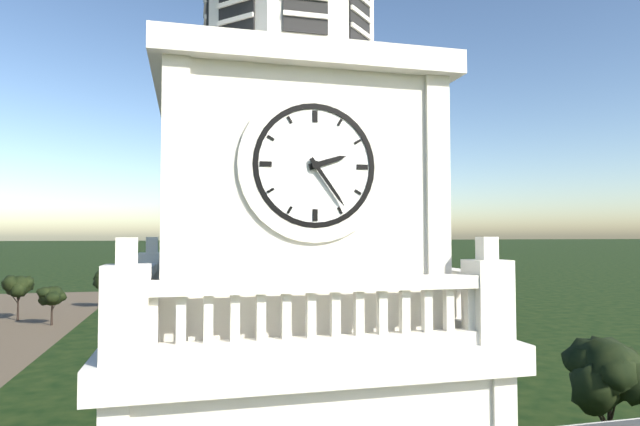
2:24
